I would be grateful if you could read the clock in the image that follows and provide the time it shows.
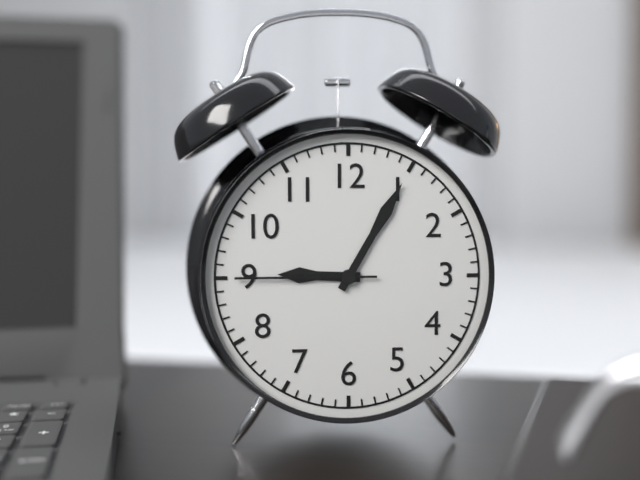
9:05:45
